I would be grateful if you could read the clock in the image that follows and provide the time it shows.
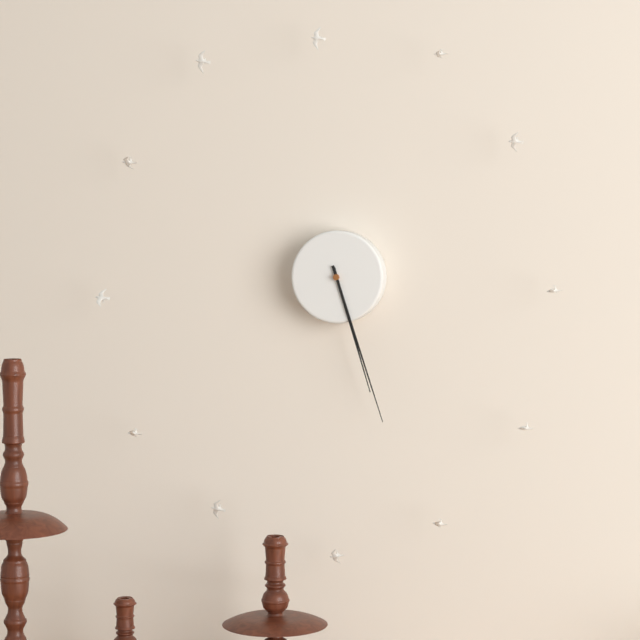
5:27
